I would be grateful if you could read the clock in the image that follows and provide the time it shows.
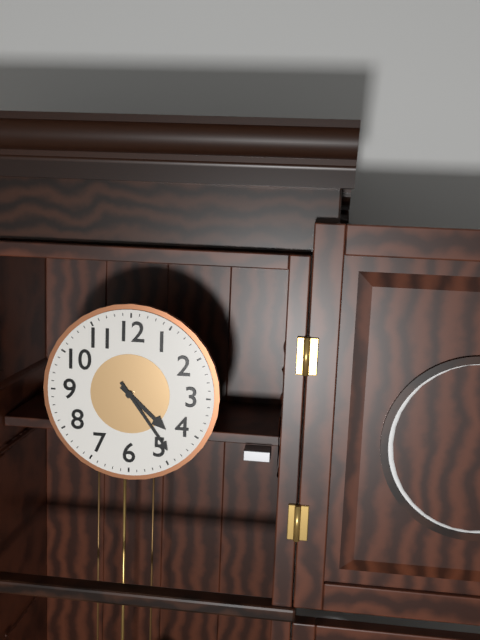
4:24
